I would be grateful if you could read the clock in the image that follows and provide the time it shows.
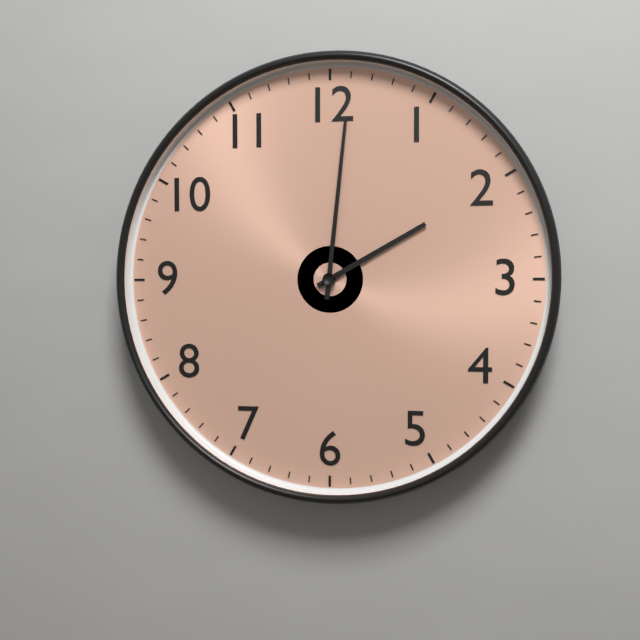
2:01
